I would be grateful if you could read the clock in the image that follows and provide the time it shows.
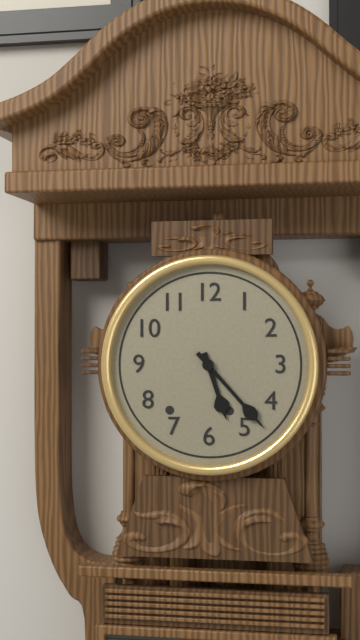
5:23
